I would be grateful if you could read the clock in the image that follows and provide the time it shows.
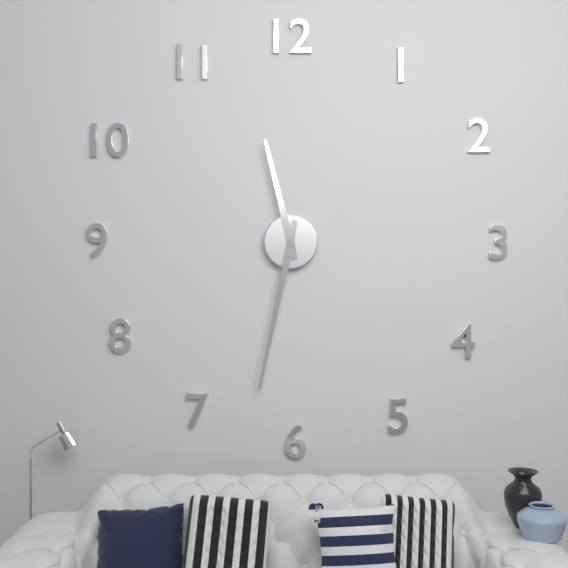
11:32
